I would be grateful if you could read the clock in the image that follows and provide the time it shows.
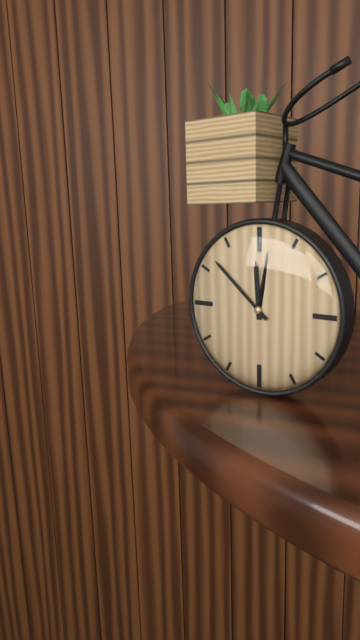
11:52
